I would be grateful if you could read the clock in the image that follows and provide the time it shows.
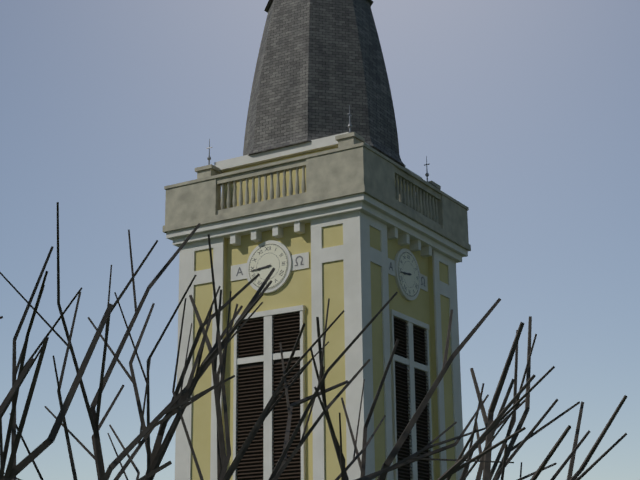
8:44
